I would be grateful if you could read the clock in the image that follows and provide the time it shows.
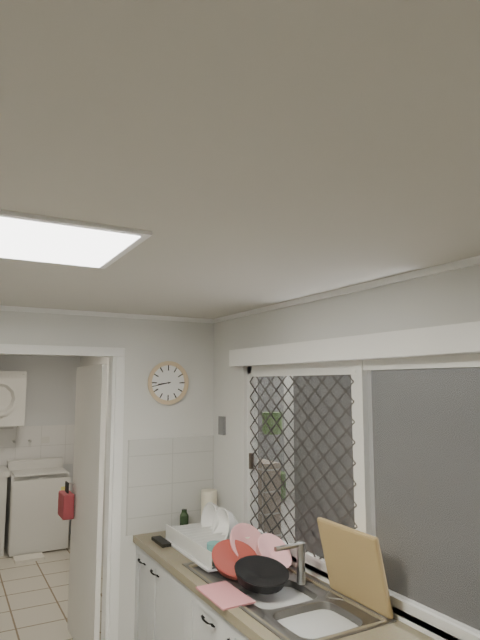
8:43
